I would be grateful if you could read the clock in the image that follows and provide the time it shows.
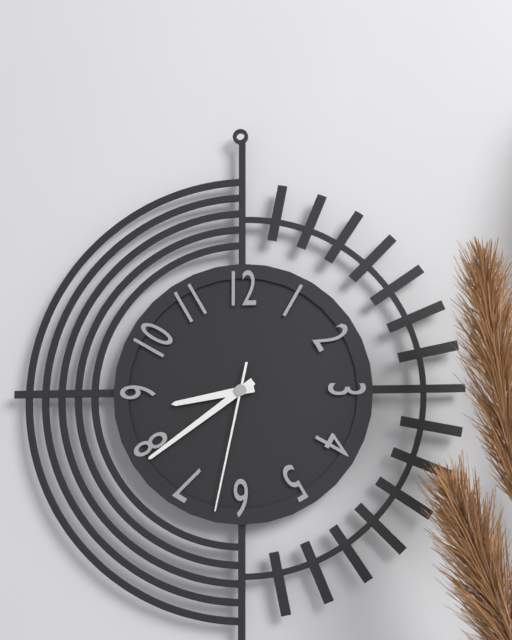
8:39:32
